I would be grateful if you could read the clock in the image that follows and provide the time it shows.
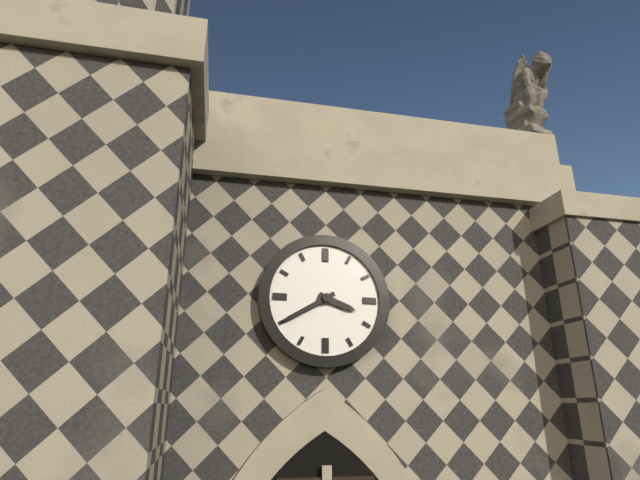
3:40
